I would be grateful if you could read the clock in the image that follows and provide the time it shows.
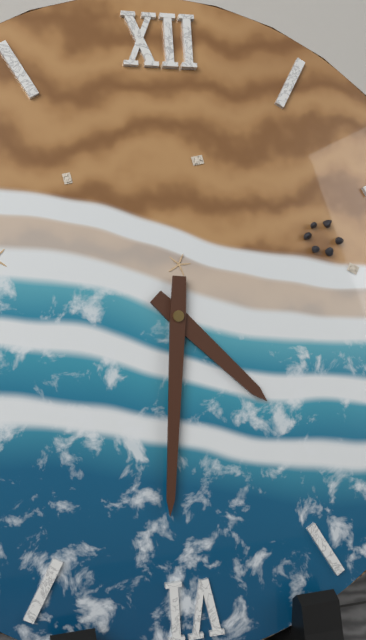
4:31
